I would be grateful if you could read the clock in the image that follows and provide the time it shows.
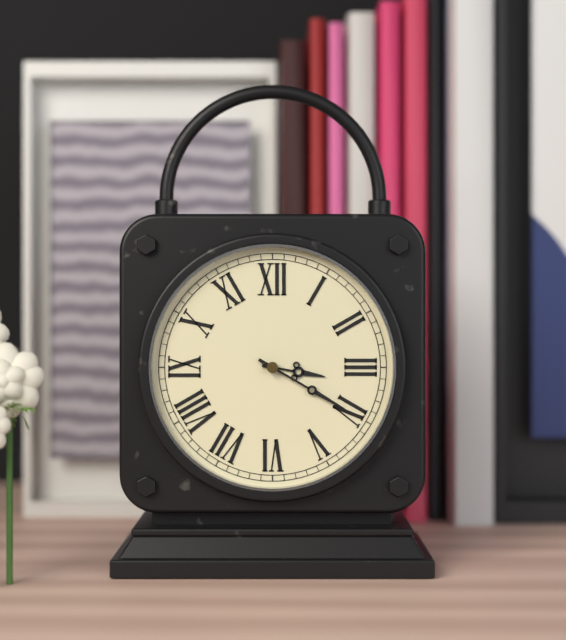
3:20
